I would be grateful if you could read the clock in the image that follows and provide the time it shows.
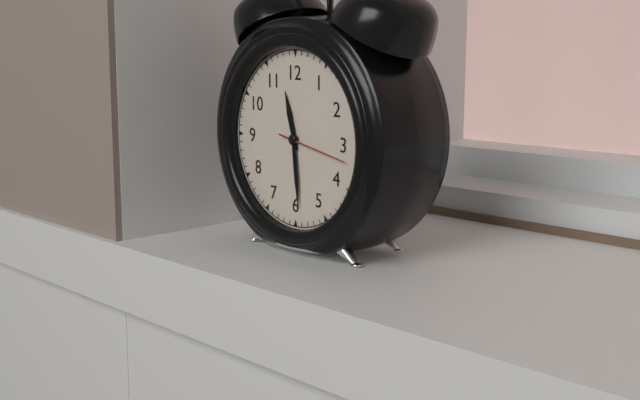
11:29:17
